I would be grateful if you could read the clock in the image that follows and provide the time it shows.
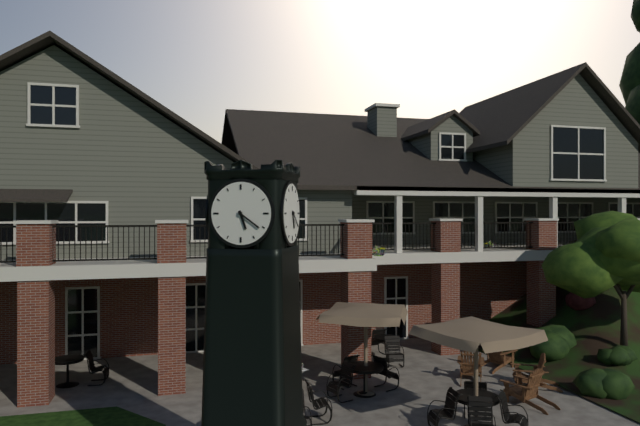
5:21
